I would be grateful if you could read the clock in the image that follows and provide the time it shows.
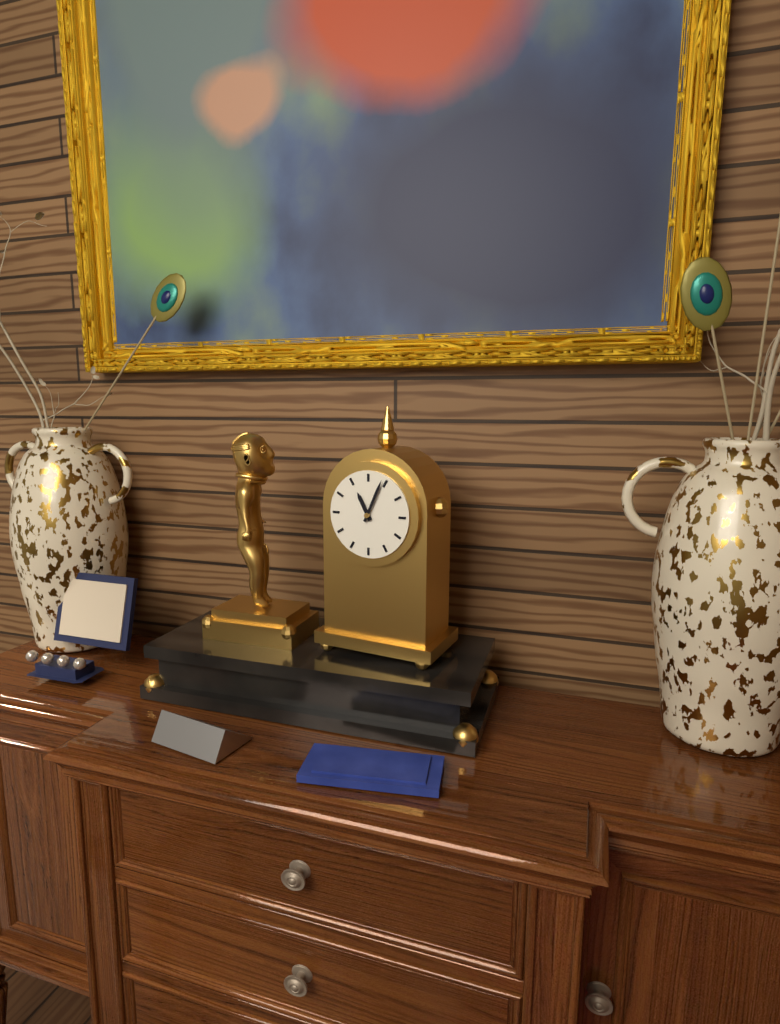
11:04
